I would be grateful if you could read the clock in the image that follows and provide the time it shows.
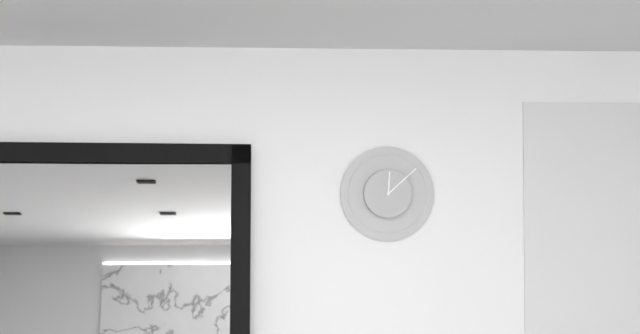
12:08
